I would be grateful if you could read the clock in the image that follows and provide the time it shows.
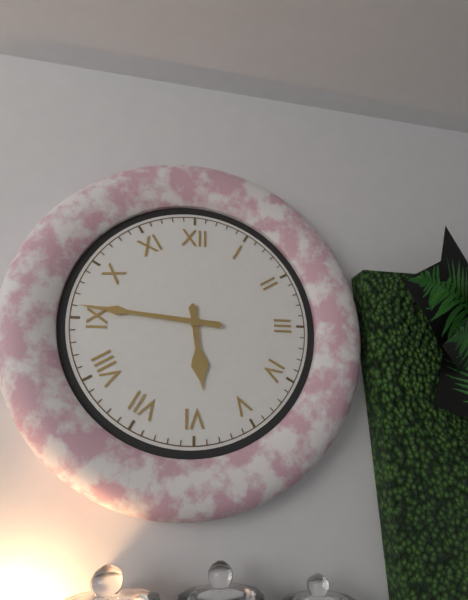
5:46
